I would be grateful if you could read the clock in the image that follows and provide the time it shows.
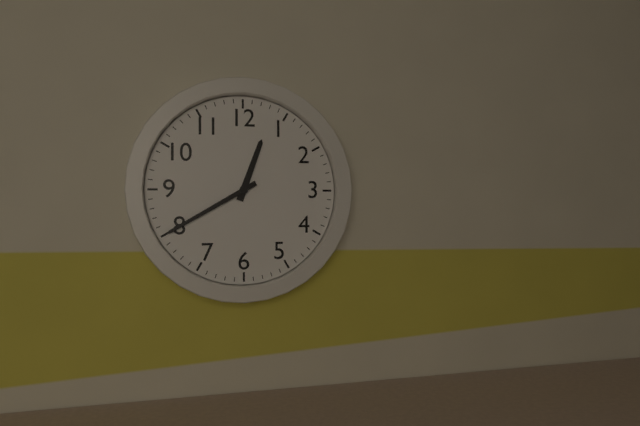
12:40
